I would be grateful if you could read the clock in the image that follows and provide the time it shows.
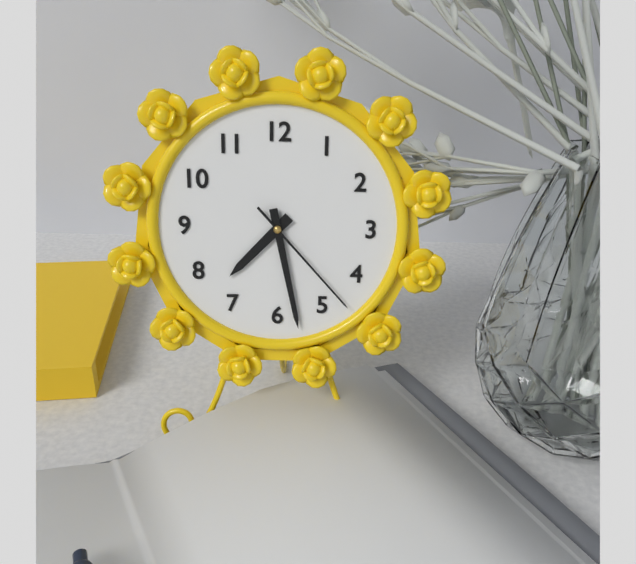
7:28:23
